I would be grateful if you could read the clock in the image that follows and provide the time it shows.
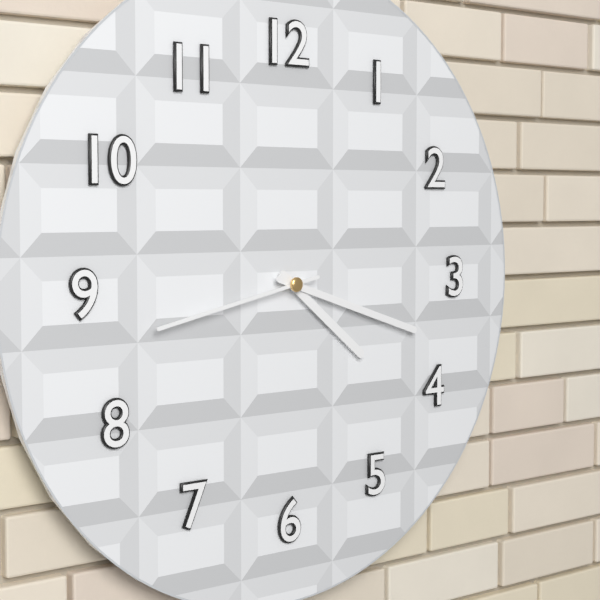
4:18:43
